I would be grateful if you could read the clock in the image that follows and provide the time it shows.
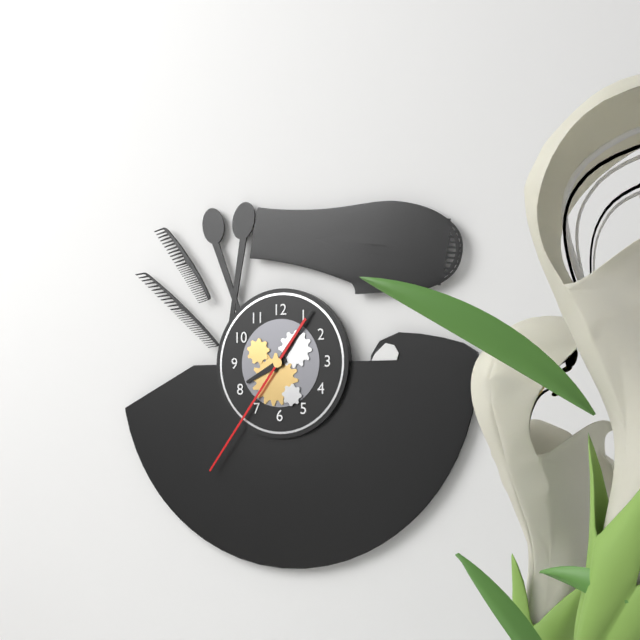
8:06:36
